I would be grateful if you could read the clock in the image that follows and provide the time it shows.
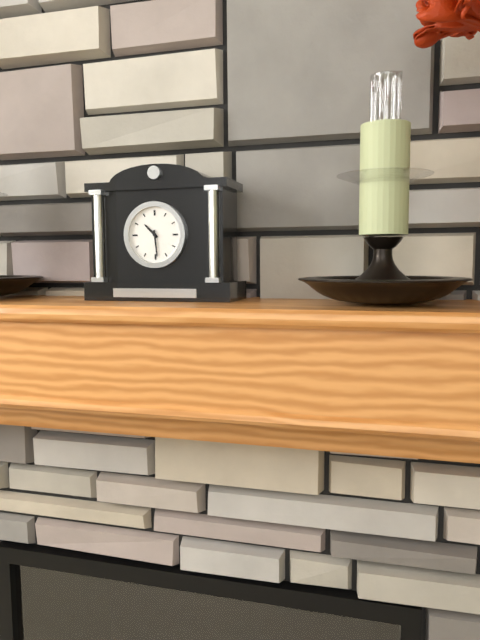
10:29
